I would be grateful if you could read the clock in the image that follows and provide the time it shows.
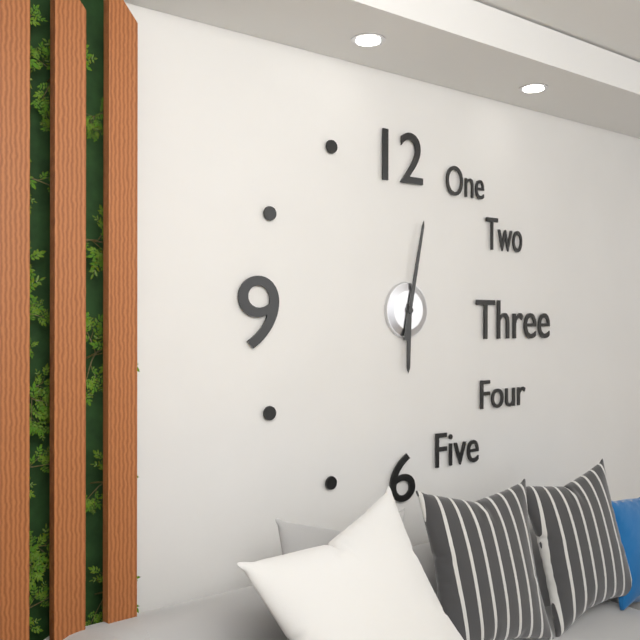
6:02
